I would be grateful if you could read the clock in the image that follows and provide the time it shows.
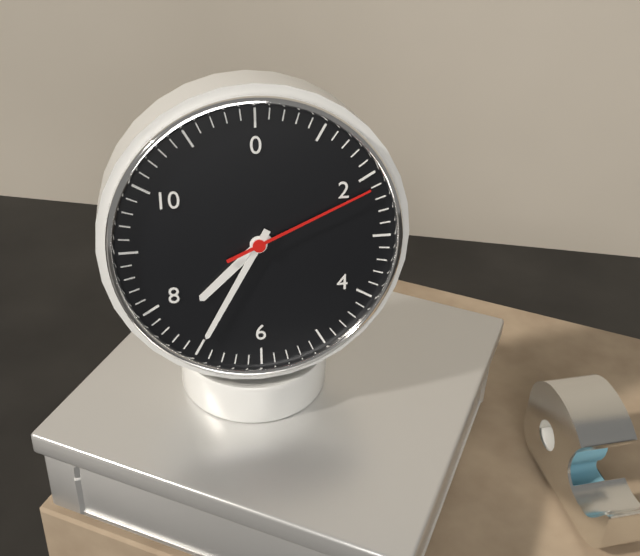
7:35:11
